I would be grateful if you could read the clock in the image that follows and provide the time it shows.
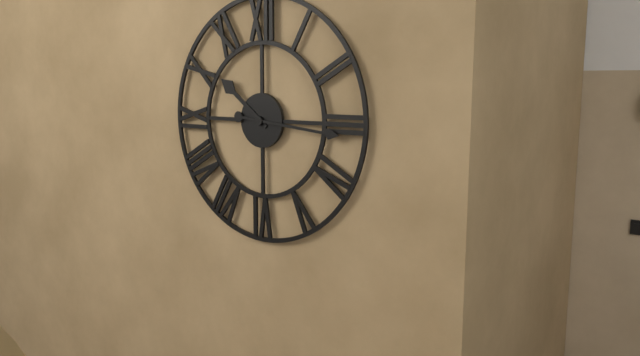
10:16
